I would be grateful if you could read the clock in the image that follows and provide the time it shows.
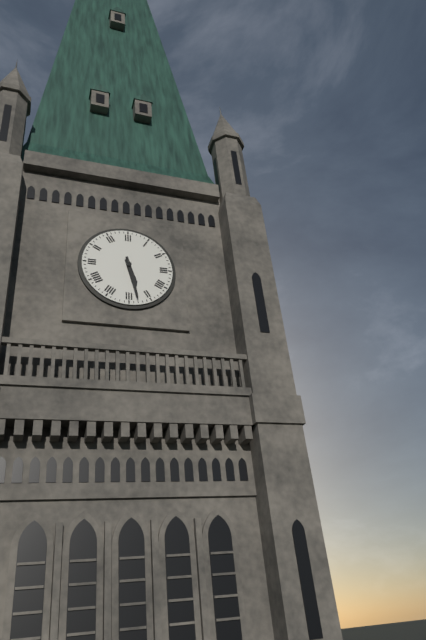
5:28
